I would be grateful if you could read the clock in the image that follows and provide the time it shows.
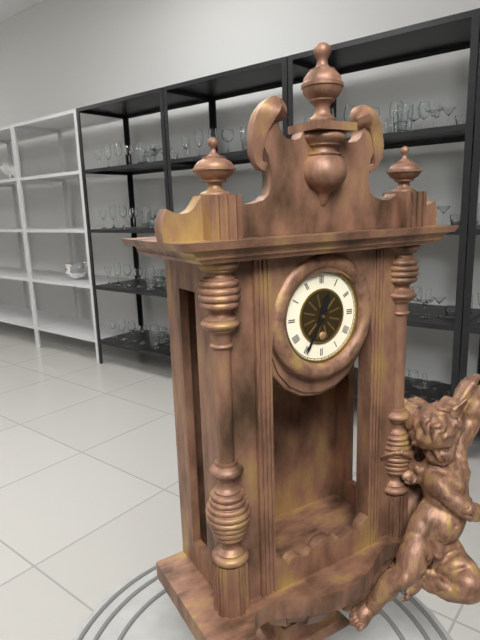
12:35
